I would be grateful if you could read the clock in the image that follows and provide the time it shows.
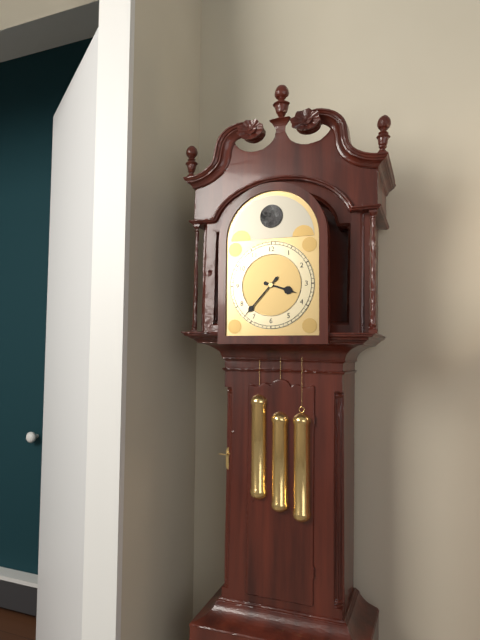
3:37
